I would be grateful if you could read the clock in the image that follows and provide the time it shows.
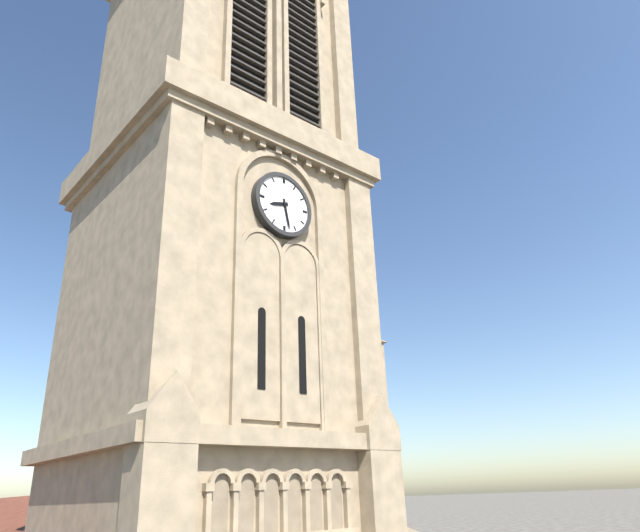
8:28
